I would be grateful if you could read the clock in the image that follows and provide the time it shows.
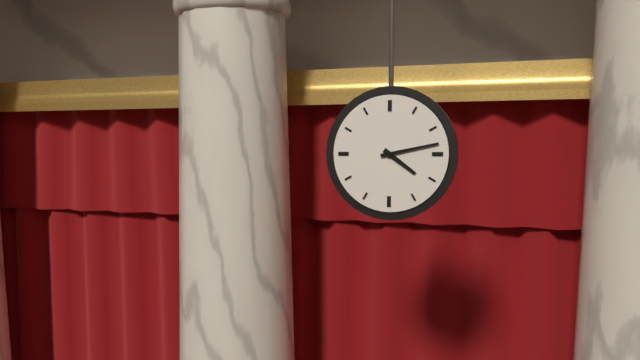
4:13
